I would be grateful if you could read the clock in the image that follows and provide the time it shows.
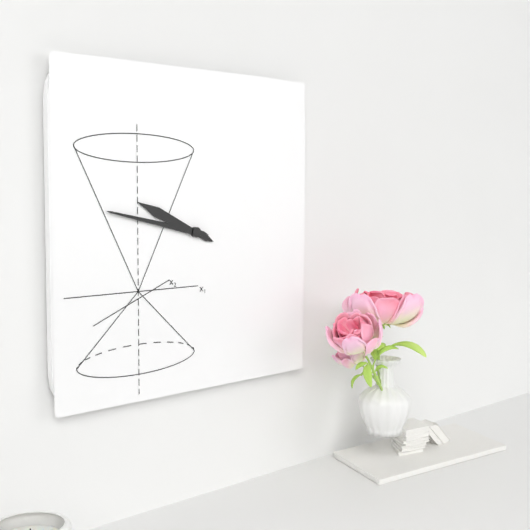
9:47
